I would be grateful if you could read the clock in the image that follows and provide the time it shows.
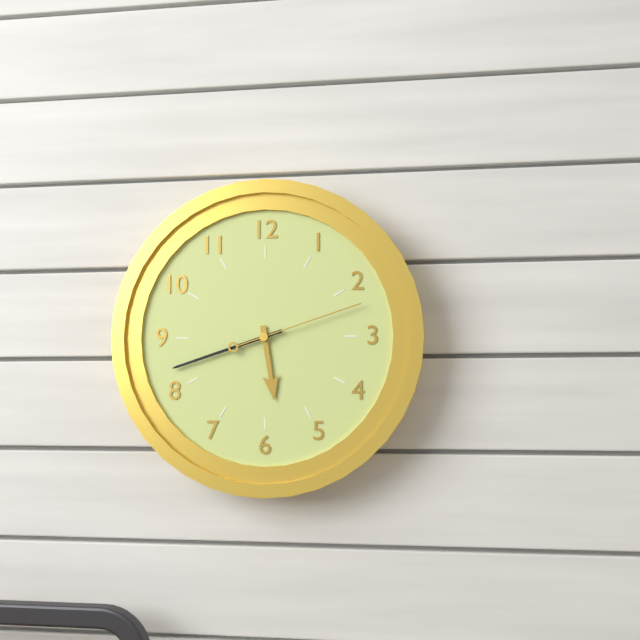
5:42:12
